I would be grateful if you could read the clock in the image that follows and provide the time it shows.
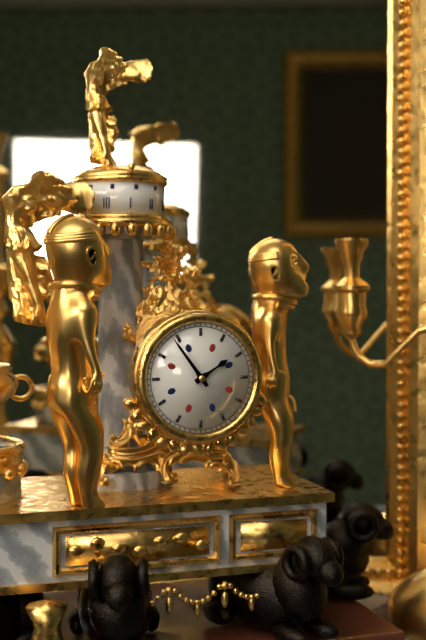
1:54
